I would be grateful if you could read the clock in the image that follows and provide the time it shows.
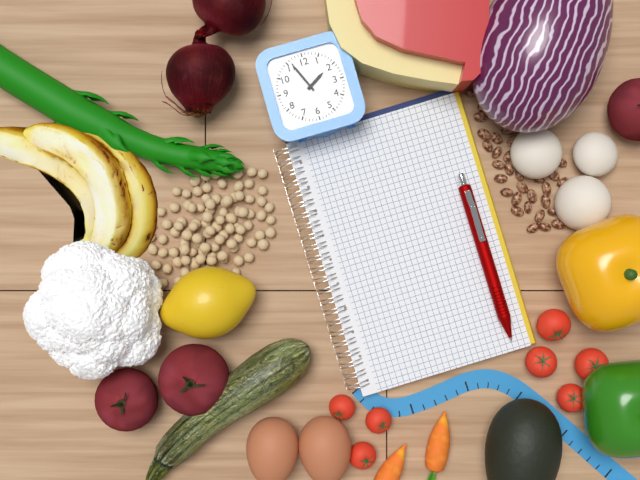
1:56
